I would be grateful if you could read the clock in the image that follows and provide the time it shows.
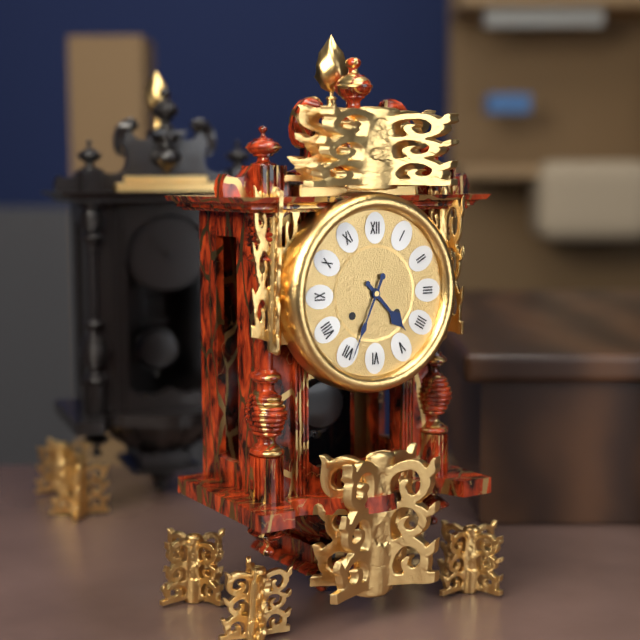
4:34
